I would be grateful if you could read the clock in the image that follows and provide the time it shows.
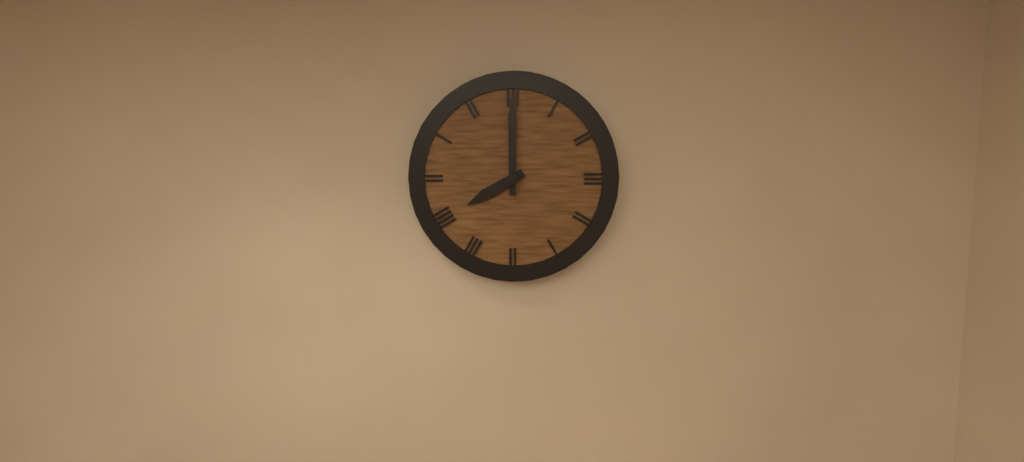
8:00
